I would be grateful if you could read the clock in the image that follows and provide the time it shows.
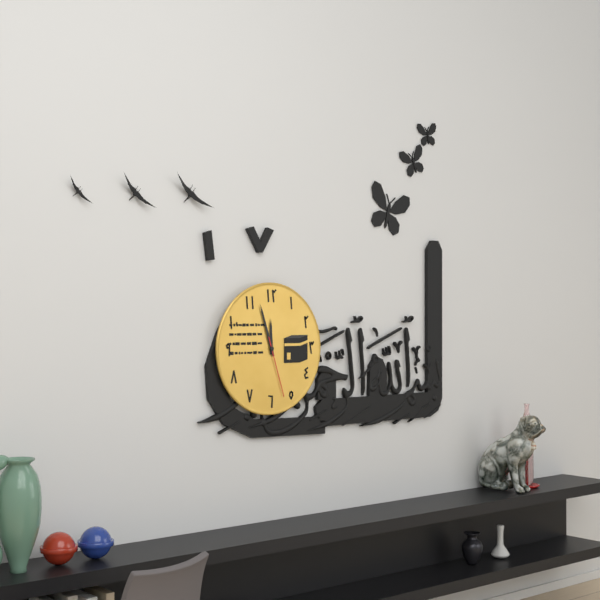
11:57:27
